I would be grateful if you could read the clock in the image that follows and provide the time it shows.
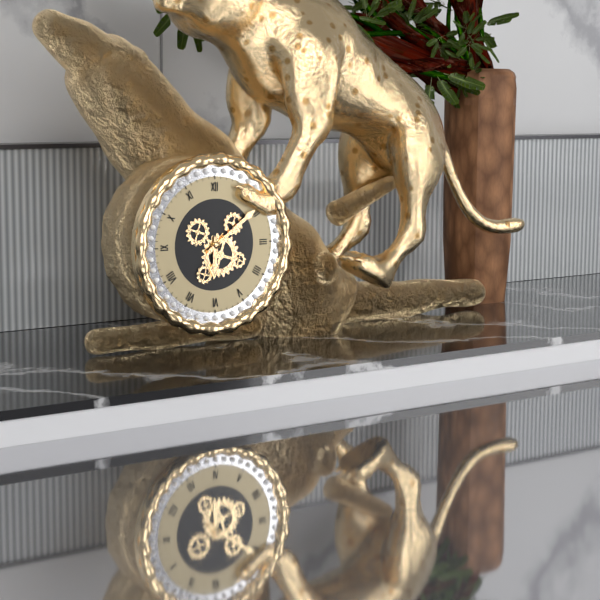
6:09
